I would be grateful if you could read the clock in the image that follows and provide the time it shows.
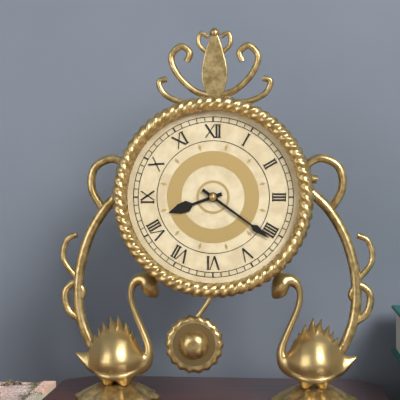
8:21
